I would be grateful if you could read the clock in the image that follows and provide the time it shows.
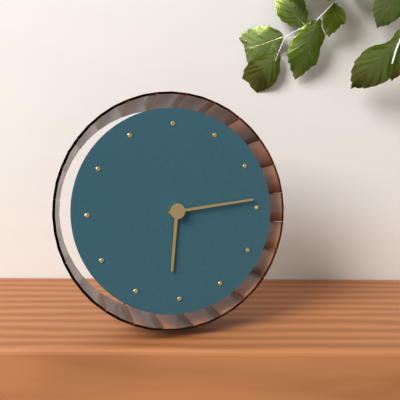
6:14
